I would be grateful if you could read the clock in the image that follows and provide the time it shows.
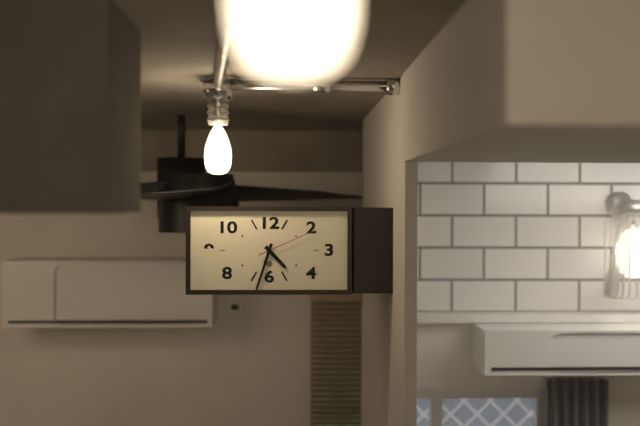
4:33:11
